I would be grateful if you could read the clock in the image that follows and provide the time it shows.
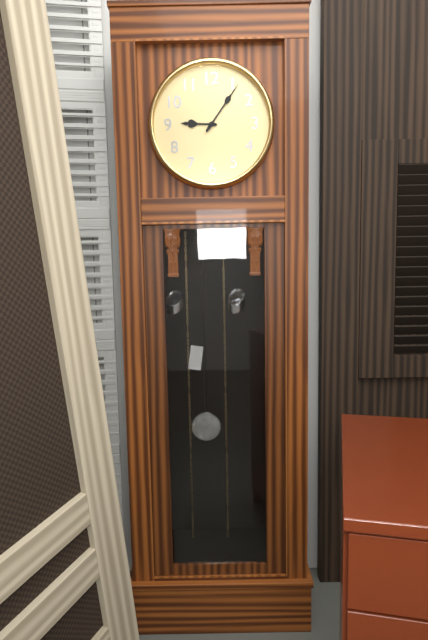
9:06
